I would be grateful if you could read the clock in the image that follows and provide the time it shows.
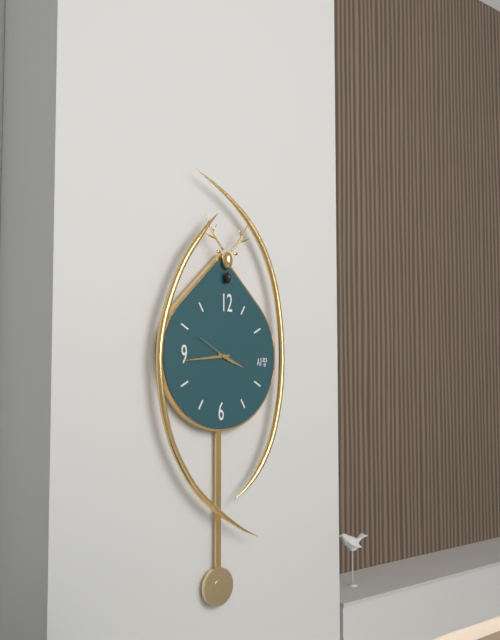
3:44
